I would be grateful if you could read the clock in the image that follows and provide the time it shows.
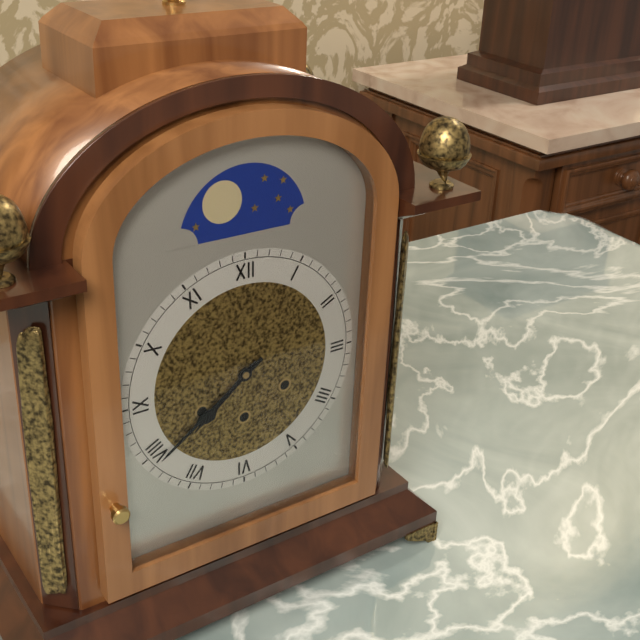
7:39
